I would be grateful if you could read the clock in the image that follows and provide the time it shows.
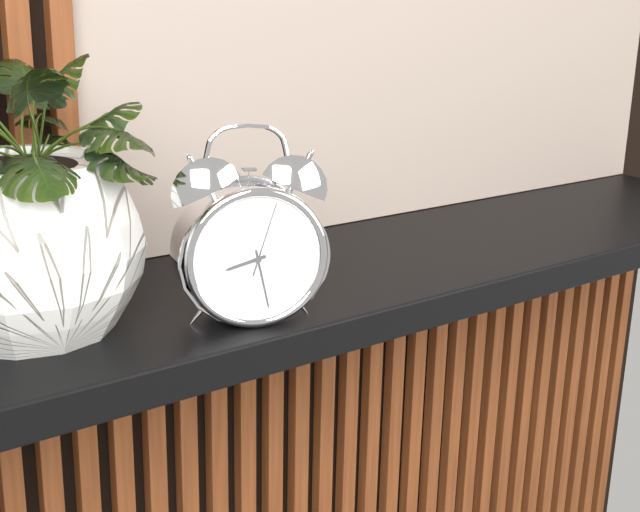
8:28:03
